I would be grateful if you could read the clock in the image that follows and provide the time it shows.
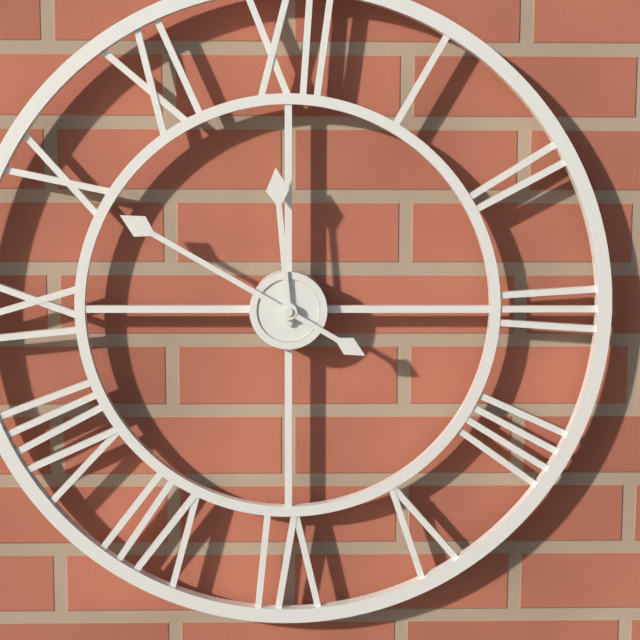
11:50
